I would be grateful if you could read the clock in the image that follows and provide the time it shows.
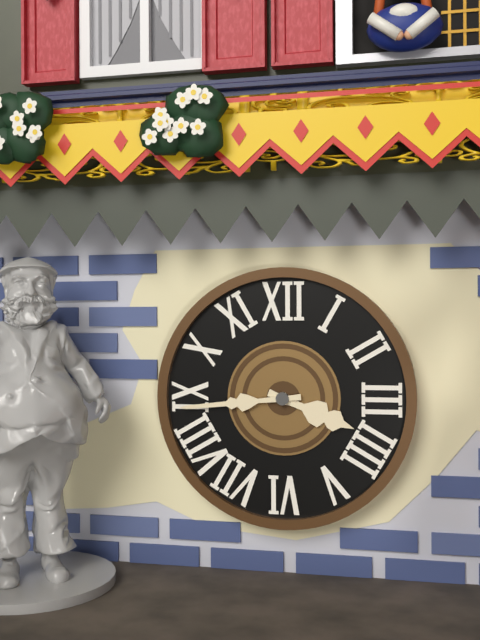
3:44
